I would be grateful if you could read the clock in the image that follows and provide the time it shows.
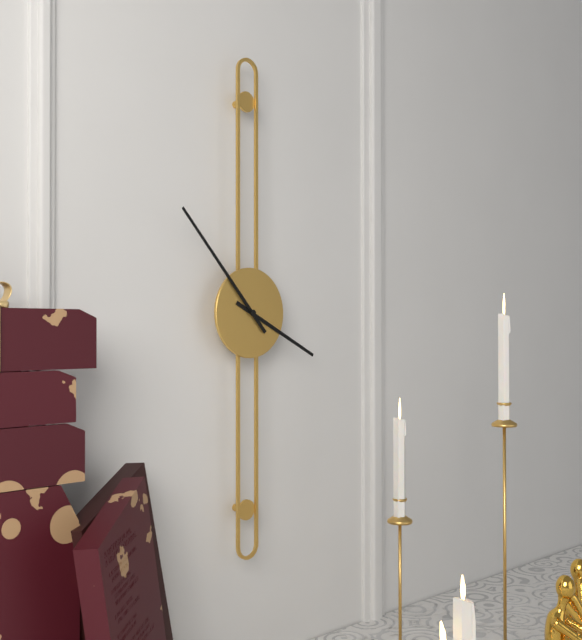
3:53
